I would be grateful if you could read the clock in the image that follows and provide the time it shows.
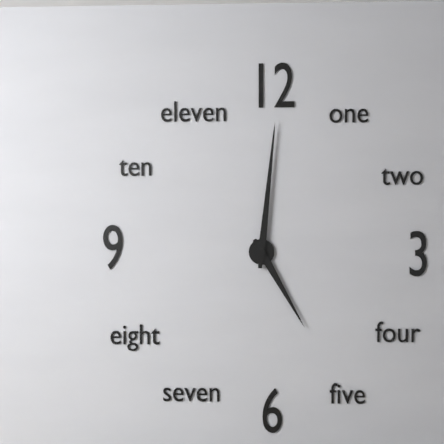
5:01
